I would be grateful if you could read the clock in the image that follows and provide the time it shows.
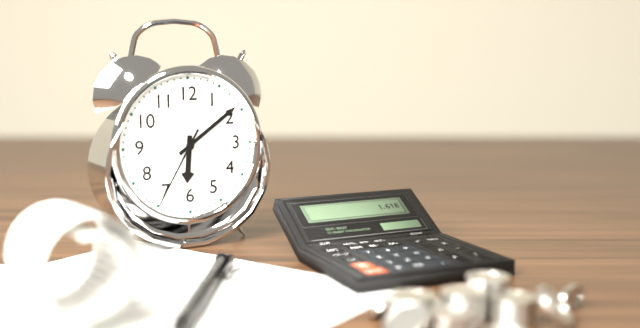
6:09:35
